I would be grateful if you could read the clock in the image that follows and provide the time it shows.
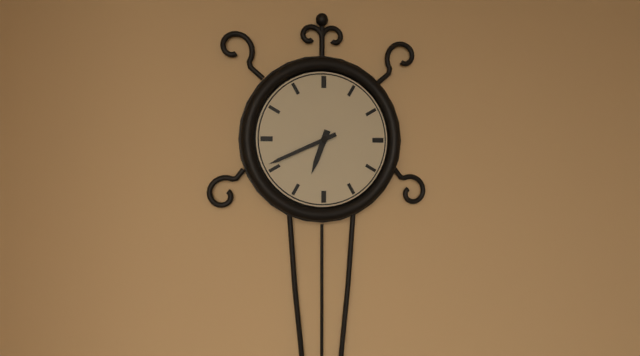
6:41
